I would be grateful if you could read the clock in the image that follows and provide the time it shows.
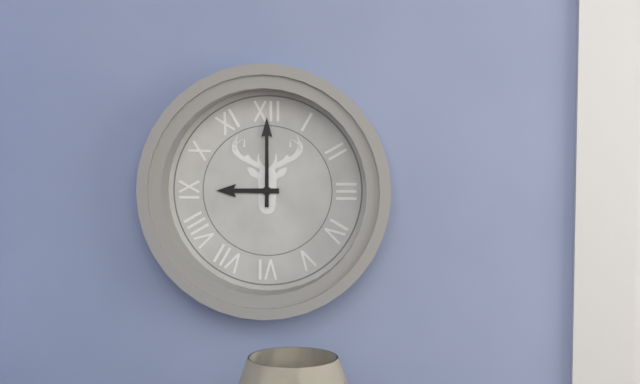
9:00
